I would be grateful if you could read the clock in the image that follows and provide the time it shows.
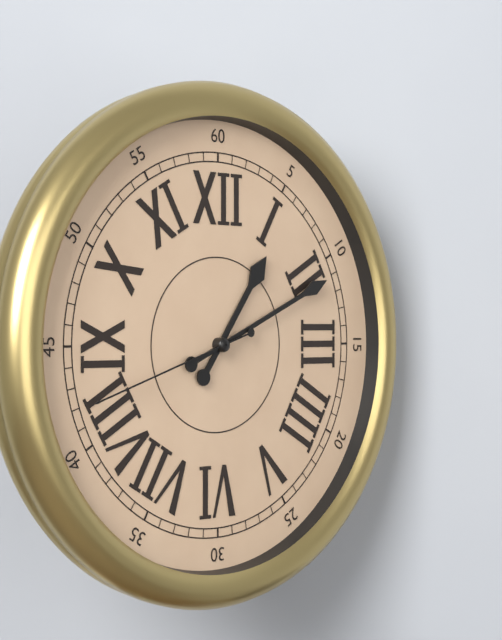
1:11:42
